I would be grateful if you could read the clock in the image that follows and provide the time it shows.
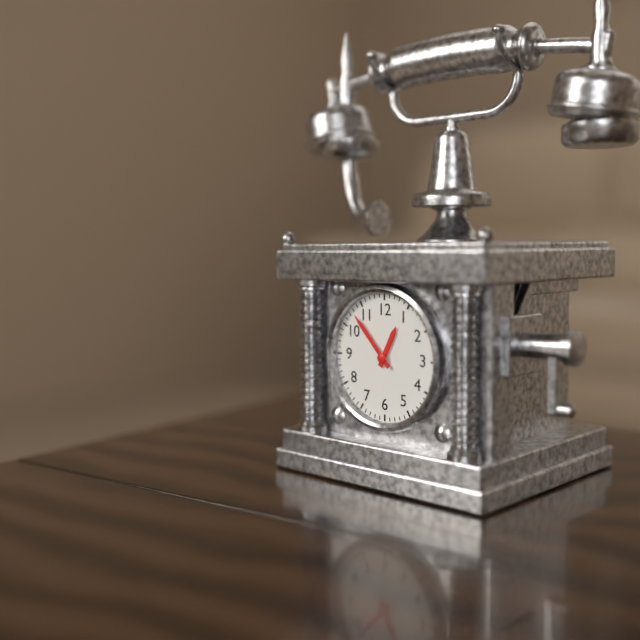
12:53
